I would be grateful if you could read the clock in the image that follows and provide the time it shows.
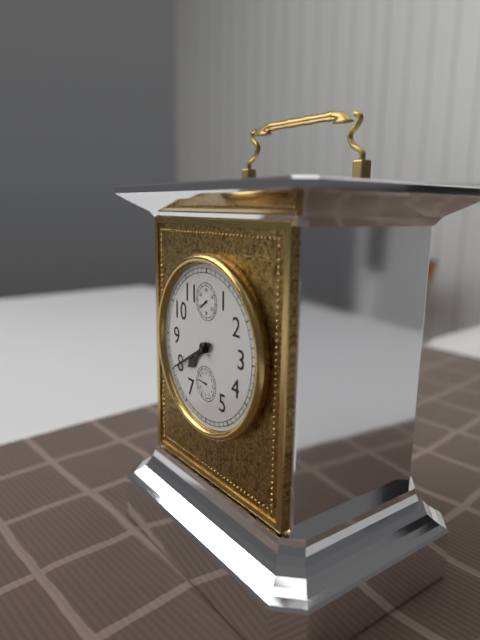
7:40
